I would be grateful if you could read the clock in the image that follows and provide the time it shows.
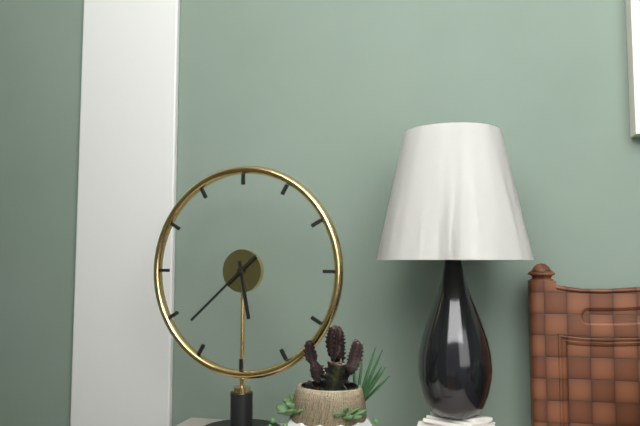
5:38
